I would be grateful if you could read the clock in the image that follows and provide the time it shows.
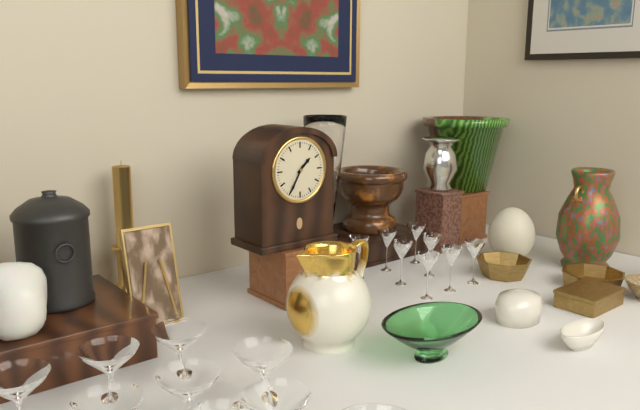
1:35
